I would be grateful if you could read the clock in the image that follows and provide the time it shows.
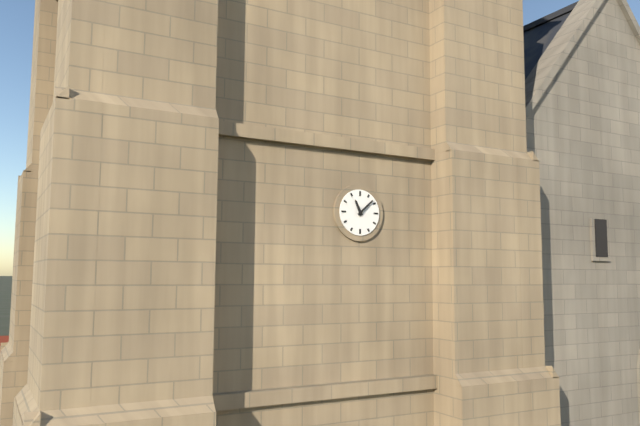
11:08
